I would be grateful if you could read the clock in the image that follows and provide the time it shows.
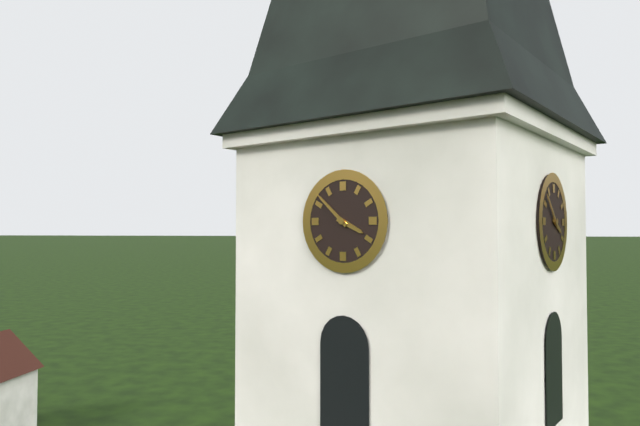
3:52
